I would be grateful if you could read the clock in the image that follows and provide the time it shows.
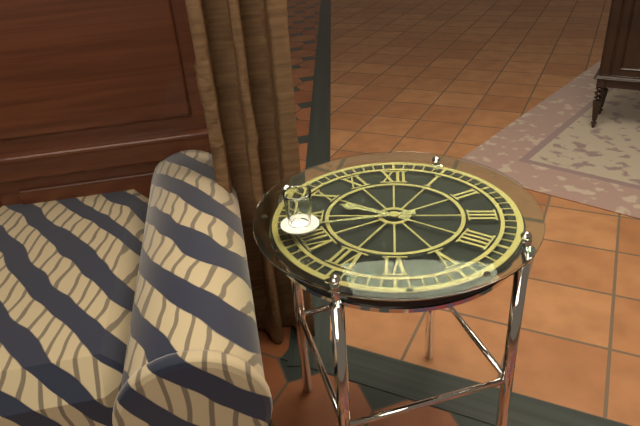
9:43
